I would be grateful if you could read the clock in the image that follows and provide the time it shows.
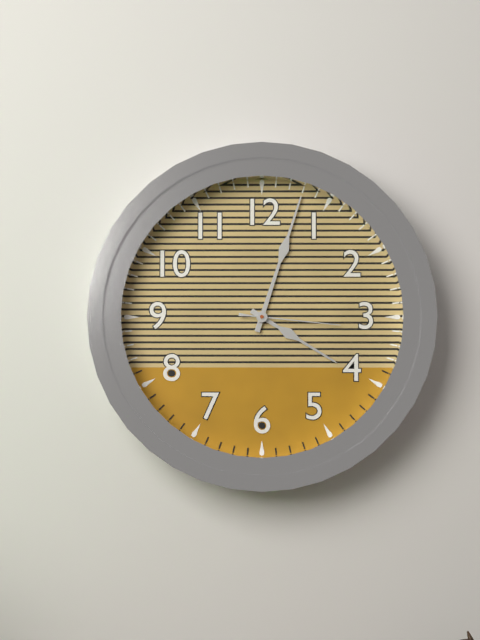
4:03:16
